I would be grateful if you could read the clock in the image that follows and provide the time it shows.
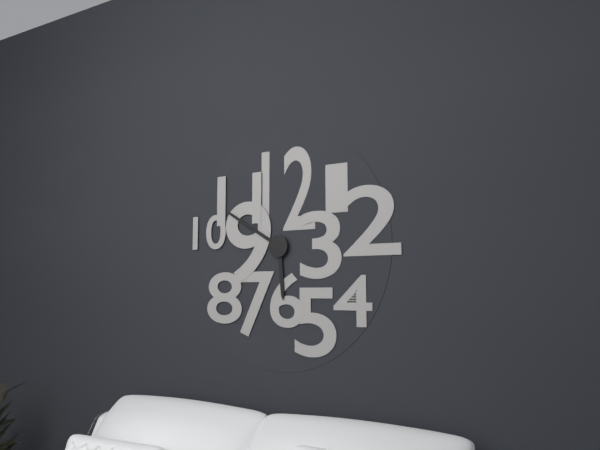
5:50
